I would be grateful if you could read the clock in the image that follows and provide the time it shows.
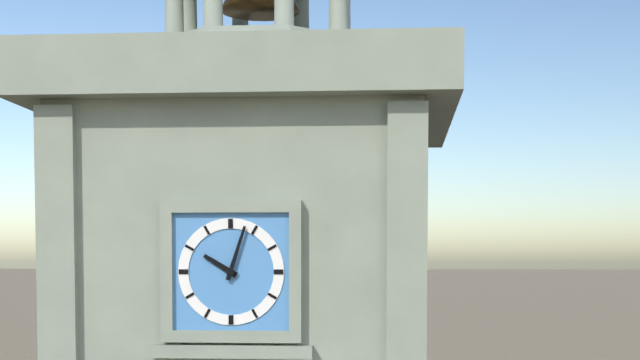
10:03
